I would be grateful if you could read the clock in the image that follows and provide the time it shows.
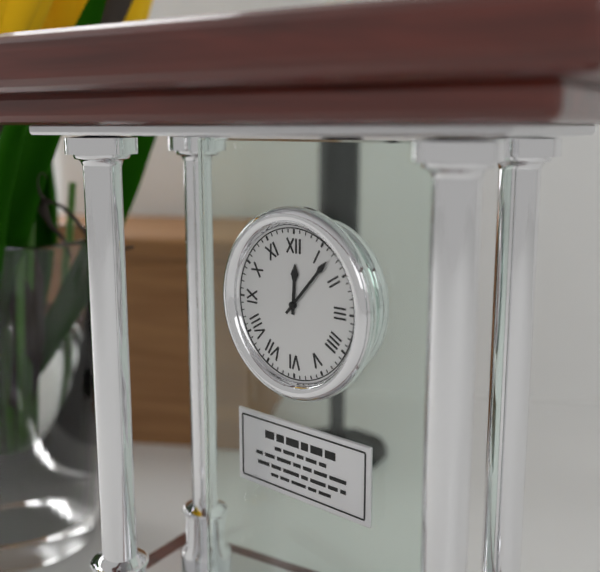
12:07
